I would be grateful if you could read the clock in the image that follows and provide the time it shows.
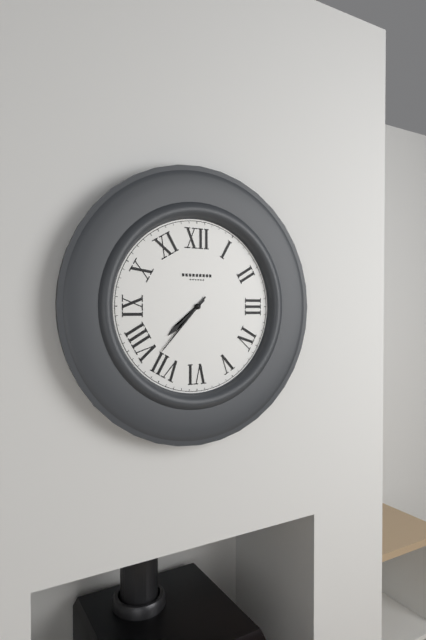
7:37
